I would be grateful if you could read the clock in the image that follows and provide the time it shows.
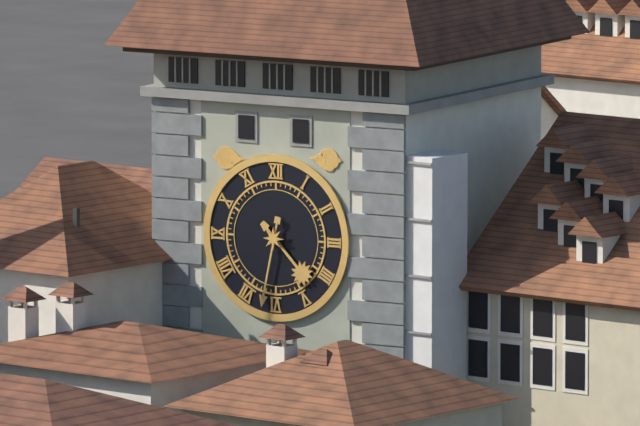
4:32
